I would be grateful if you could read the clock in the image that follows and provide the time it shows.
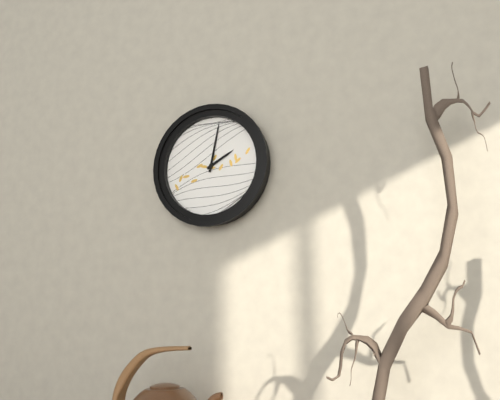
2:02
